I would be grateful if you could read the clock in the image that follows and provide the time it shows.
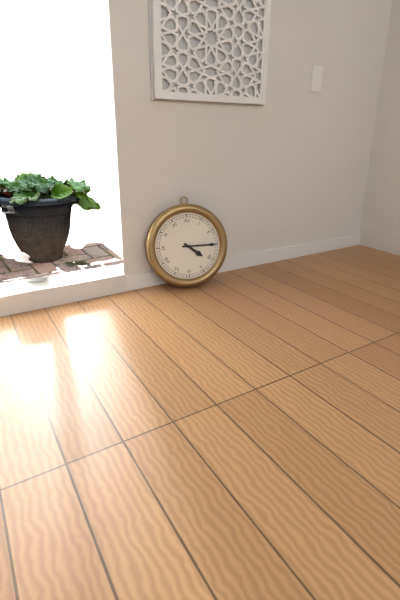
4:15
